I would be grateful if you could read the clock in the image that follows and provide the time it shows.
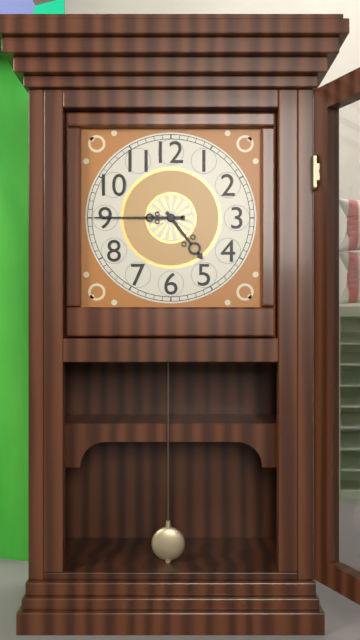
4:45
